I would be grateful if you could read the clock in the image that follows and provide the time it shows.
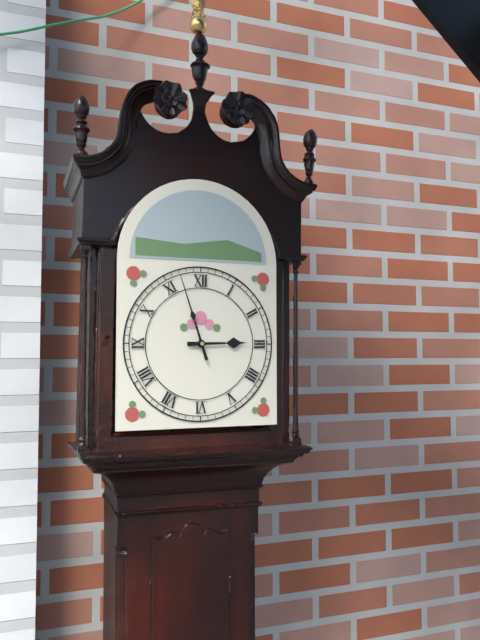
2:57
